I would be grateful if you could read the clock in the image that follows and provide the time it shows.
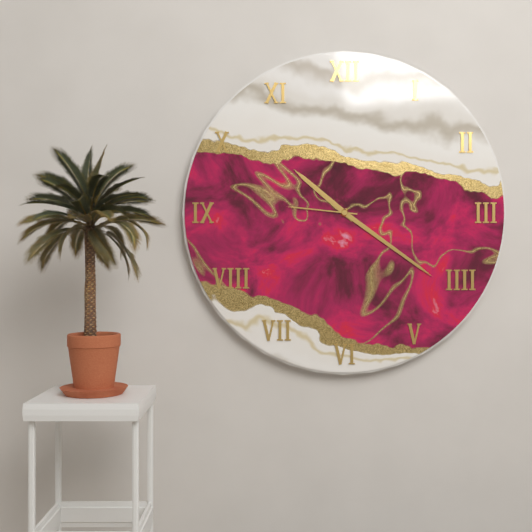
10:21:46
